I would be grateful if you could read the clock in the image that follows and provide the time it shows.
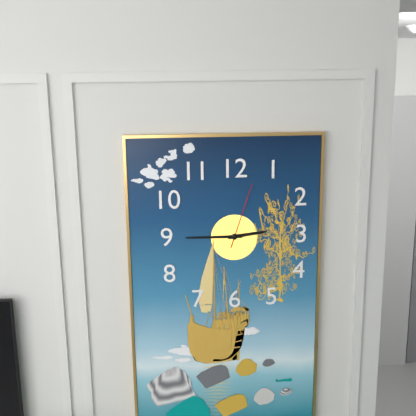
2:45:03
